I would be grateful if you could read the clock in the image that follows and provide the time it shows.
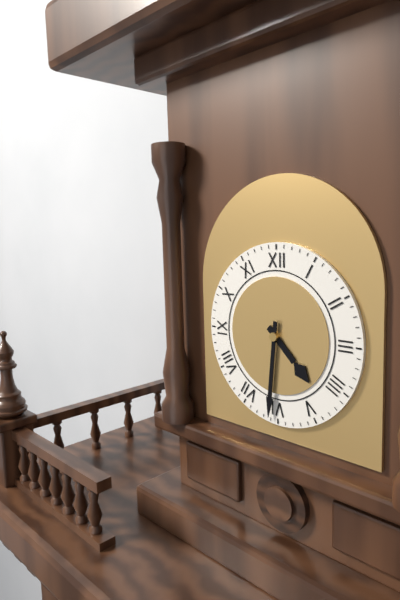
4:31
